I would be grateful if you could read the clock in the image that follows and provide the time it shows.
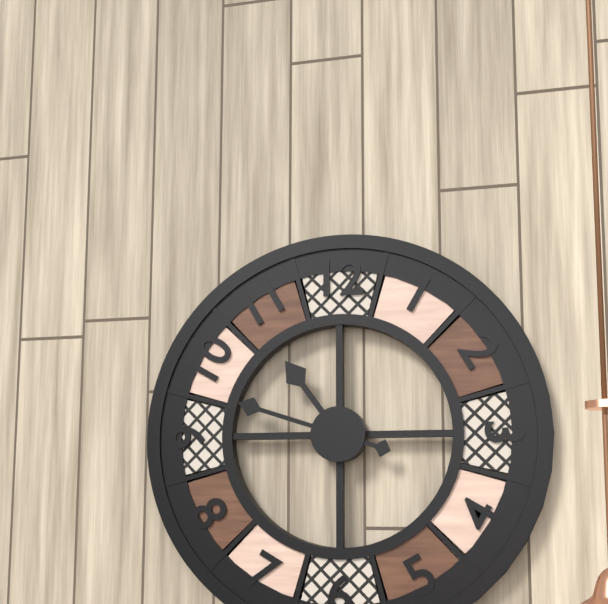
10:48
